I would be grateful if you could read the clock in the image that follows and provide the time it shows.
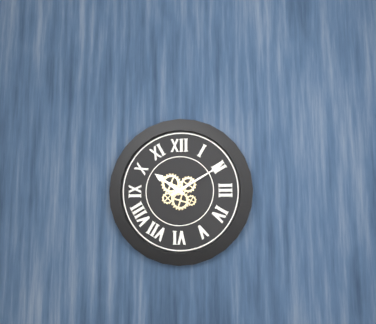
10:10
